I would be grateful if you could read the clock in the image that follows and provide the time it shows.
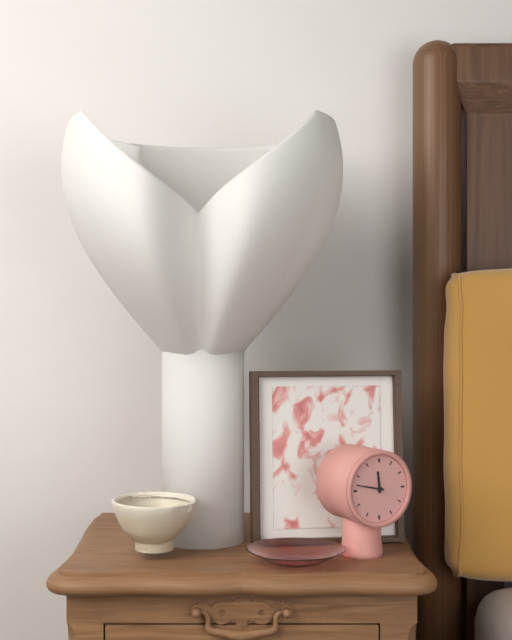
11:47
